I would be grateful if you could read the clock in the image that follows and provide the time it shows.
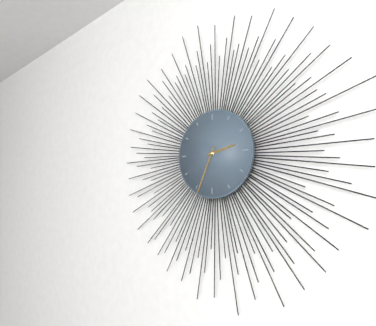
2:34
